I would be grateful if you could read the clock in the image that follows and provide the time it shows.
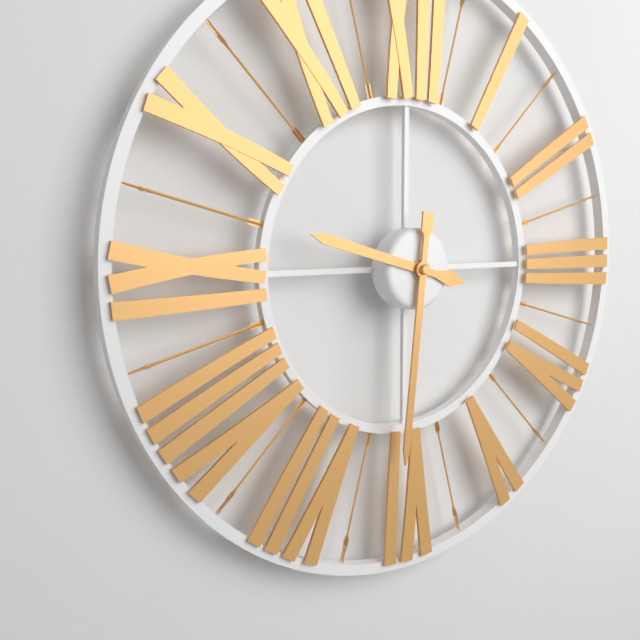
9:31
